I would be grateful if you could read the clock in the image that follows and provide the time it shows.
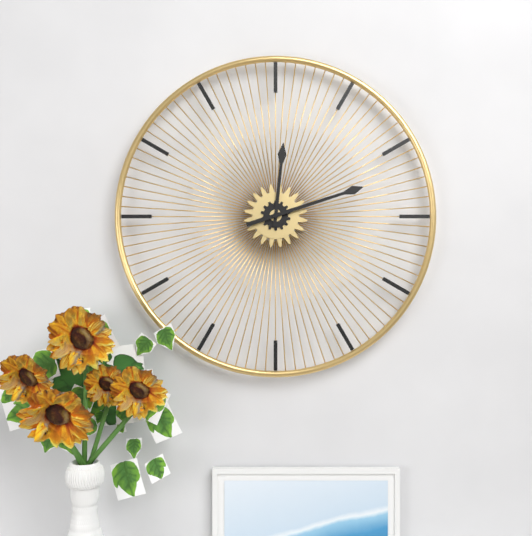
12:12
